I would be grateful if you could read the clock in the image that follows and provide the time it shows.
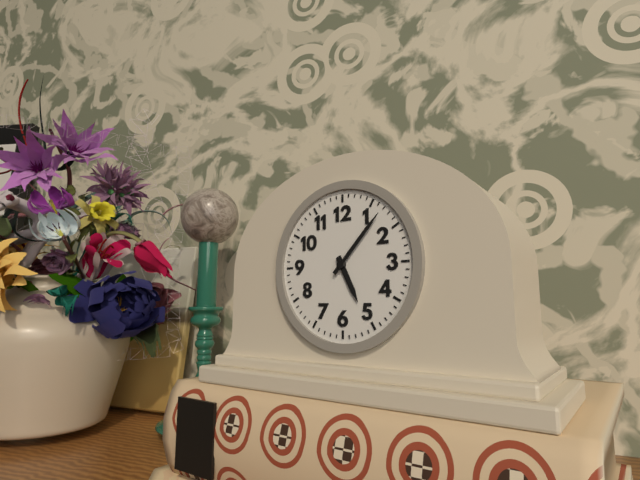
5:07
